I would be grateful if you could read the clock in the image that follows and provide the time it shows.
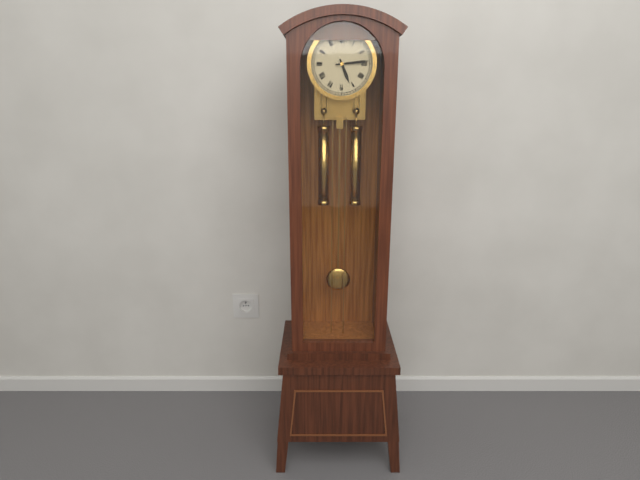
5:14
